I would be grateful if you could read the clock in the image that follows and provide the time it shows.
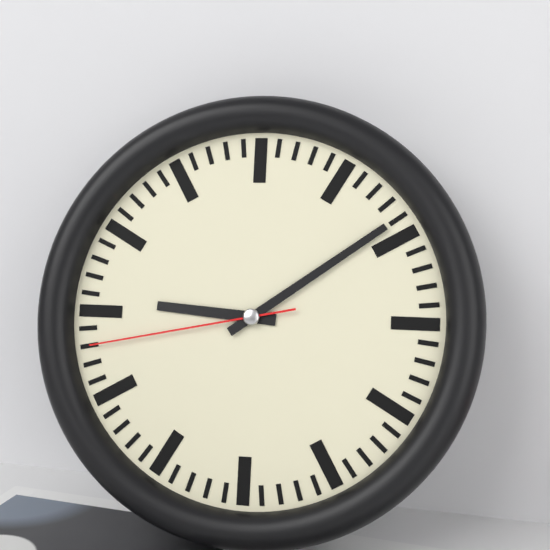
9:09:43
